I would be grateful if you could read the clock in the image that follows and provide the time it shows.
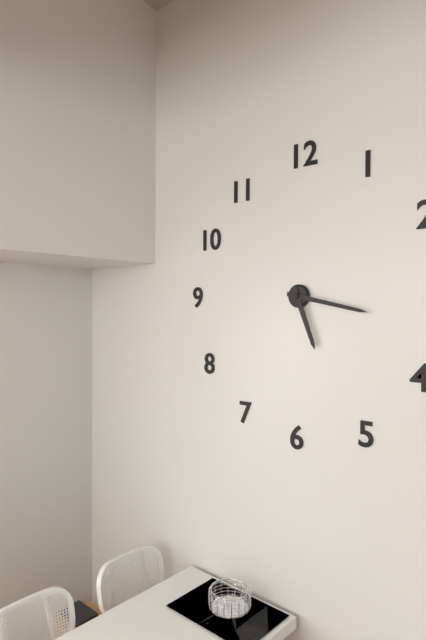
5:17
